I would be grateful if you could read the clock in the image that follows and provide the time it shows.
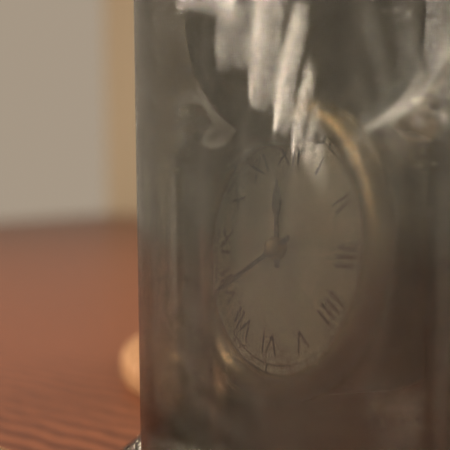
11:40
